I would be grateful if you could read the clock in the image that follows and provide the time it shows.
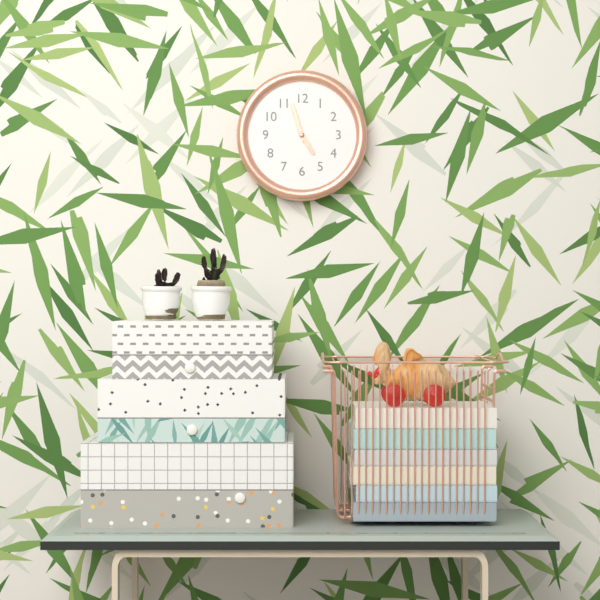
4:57
